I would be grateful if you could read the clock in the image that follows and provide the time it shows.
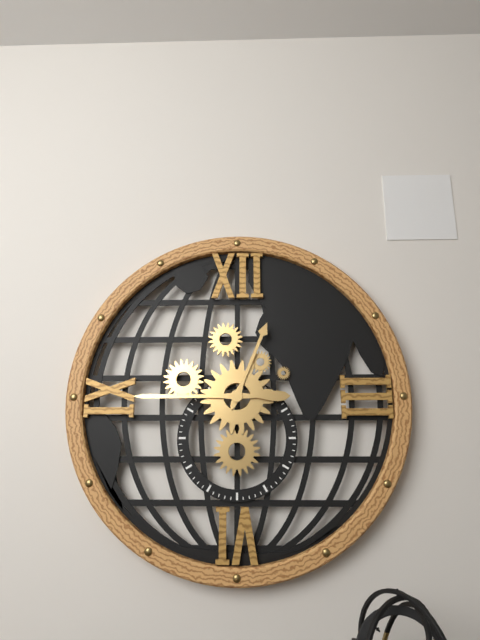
12:45
